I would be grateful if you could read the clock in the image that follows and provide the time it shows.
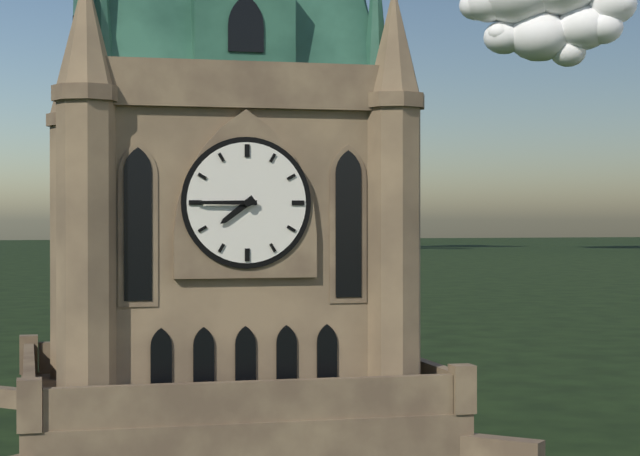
7:45
